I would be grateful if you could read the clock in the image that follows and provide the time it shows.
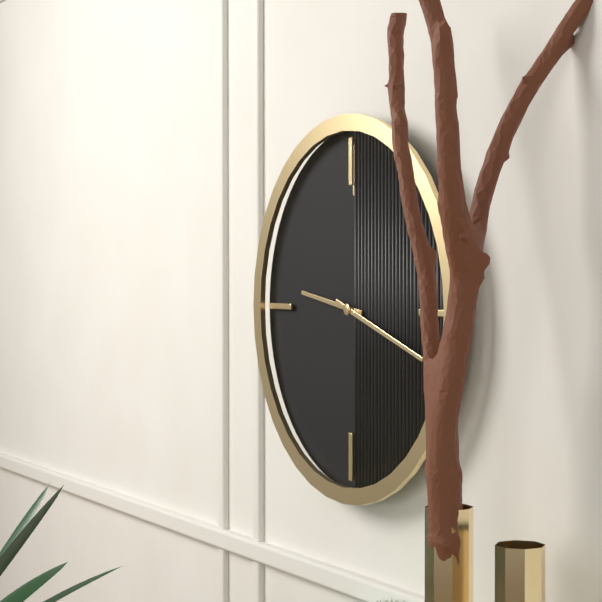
9:18
